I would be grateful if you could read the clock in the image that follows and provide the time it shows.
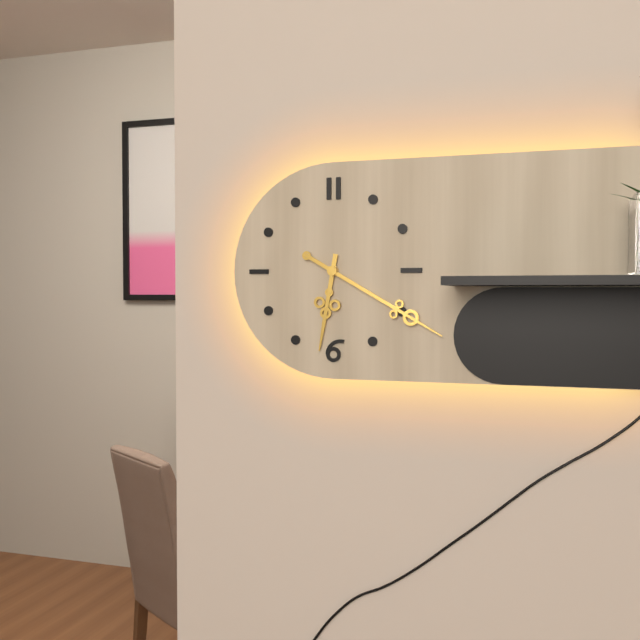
6:20
